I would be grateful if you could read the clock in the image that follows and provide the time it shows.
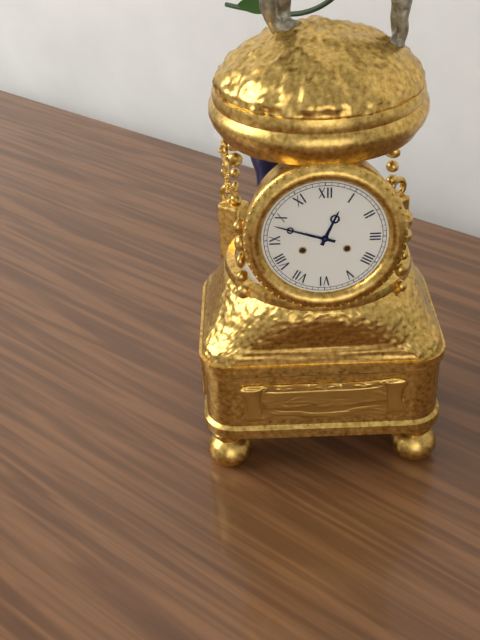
12:48
